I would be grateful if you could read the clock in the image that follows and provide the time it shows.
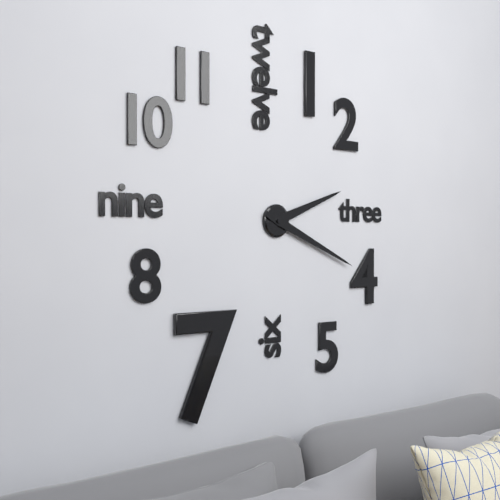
2:19
